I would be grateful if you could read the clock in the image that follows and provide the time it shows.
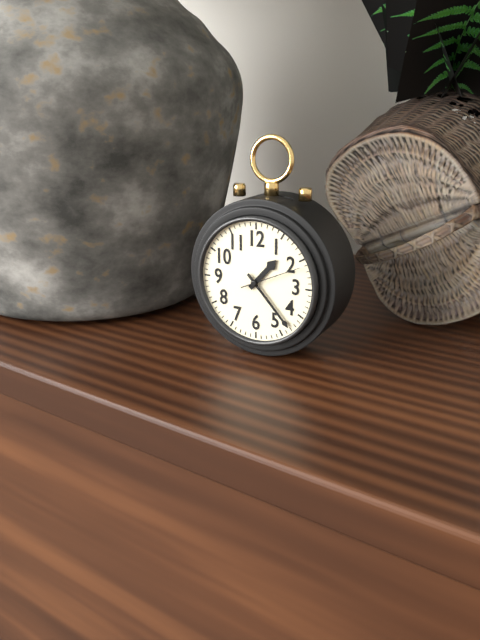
1:23:11
